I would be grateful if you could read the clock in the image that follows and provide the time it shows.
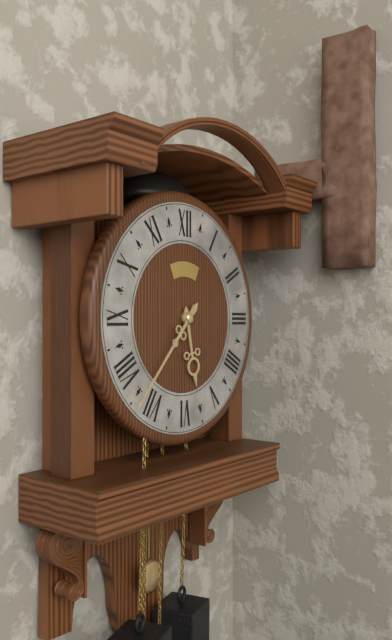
5:37
